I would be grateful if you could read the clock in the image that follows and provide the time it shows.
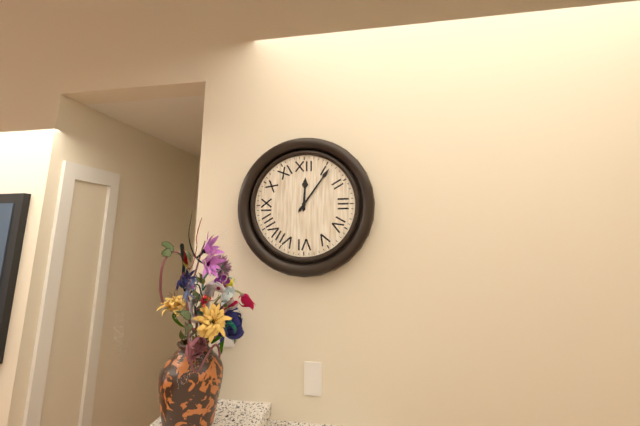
12:06
